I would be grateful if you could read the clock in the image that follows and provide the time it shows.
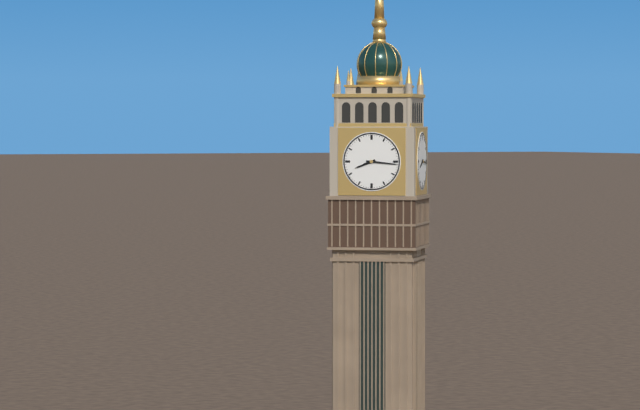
8:16
